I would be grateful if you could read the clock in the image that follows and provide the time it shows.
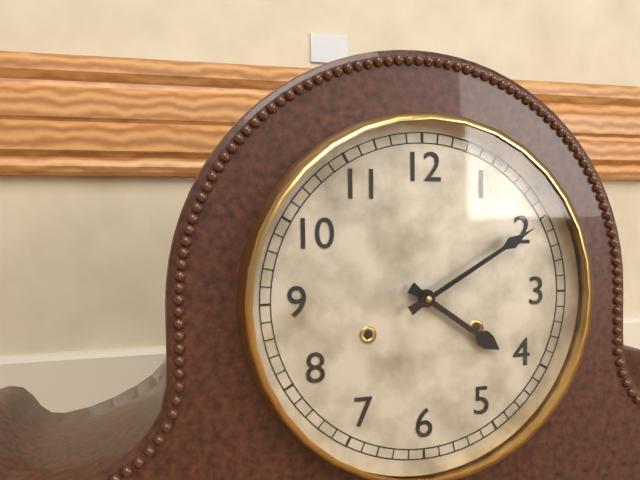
4:10
